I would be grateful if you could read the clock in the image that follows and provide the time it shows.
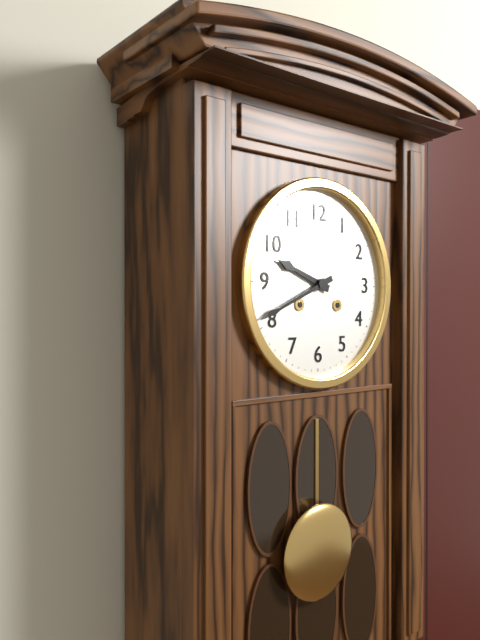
9:41
